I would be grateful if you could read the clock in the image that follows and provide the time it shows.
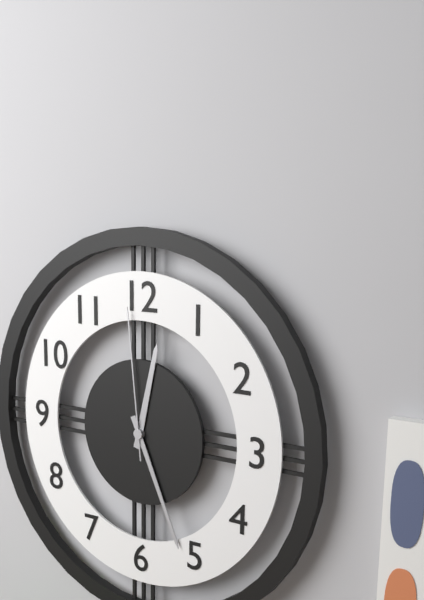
12:26:59
